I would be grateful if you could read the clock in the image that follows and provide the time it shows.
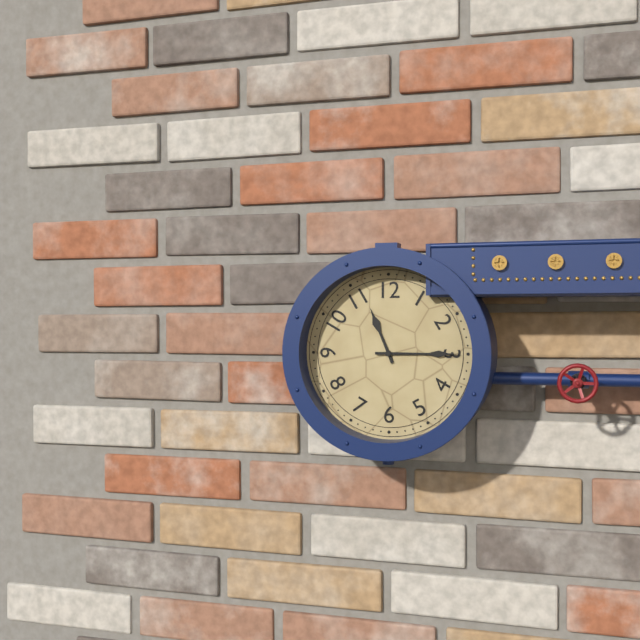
11:15
